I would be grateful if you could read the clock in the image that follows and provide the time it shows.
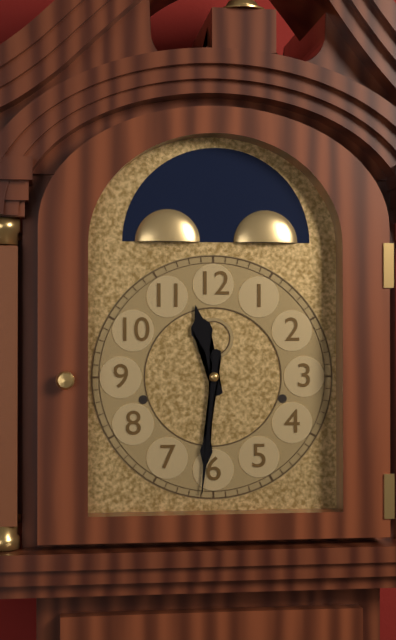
11:31
